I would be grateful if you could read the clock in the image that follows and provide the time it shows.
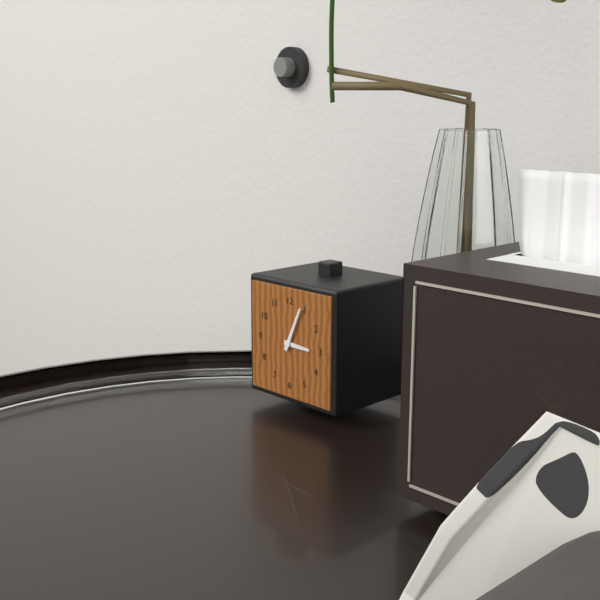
3:04
